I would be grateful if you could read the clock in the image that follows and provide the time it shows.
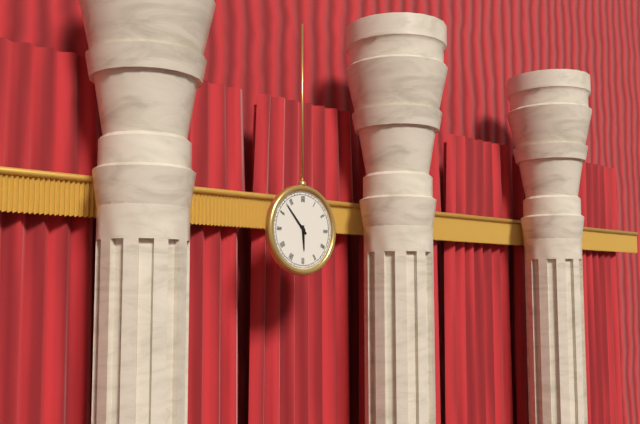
5:53
